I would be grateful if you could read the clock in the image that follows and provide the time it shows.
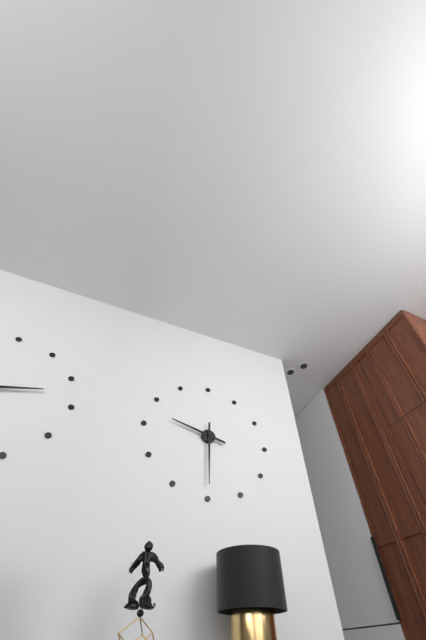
9:30
